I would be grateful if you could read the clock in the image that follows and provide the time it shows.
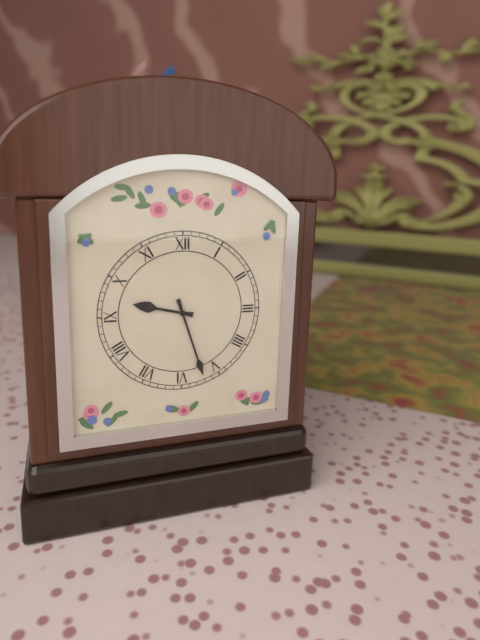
9:27
